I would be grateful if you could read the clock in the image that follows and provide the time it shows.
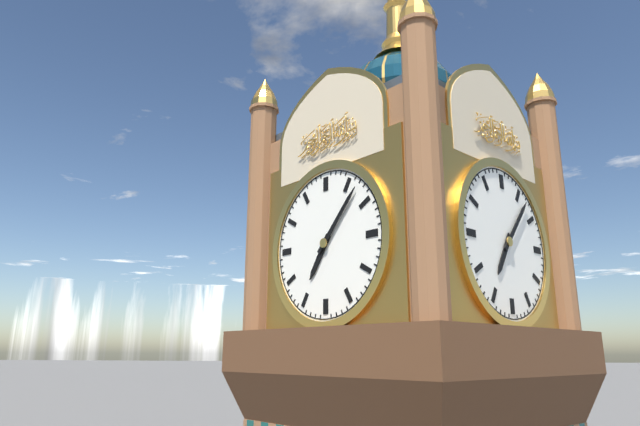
7:07
